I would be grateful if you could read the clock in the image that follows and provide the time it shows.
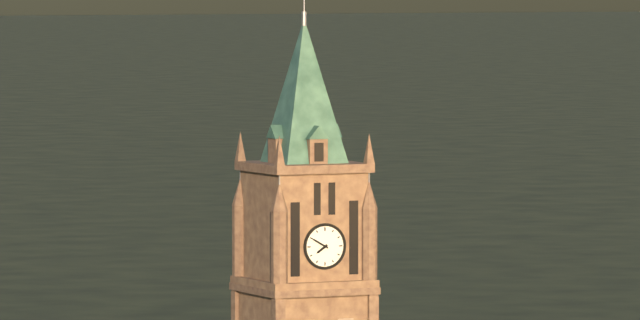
7:50
